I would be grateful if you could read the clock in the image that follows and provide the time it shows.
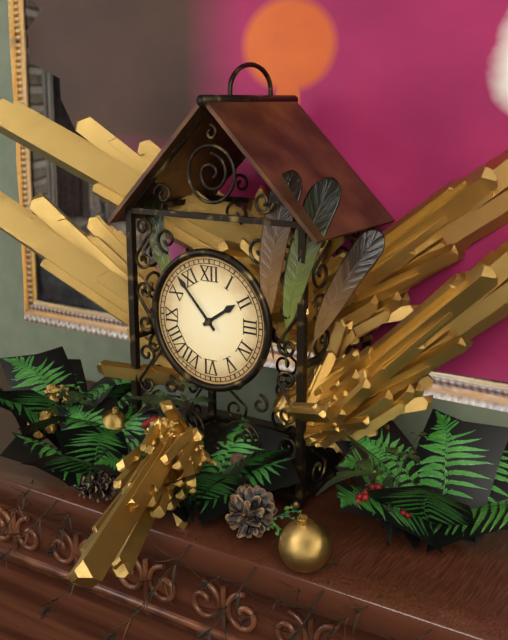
1:53
